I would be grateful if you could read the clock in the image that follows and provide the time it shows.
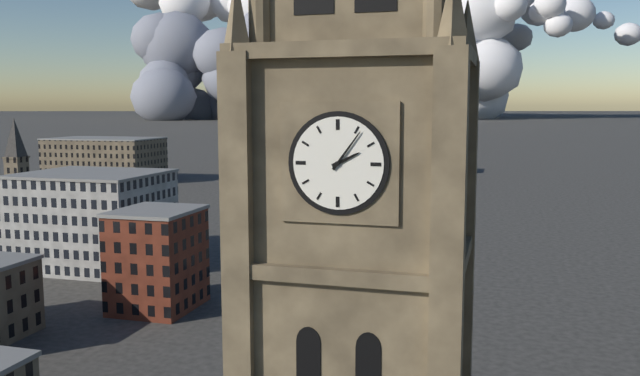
2:06
